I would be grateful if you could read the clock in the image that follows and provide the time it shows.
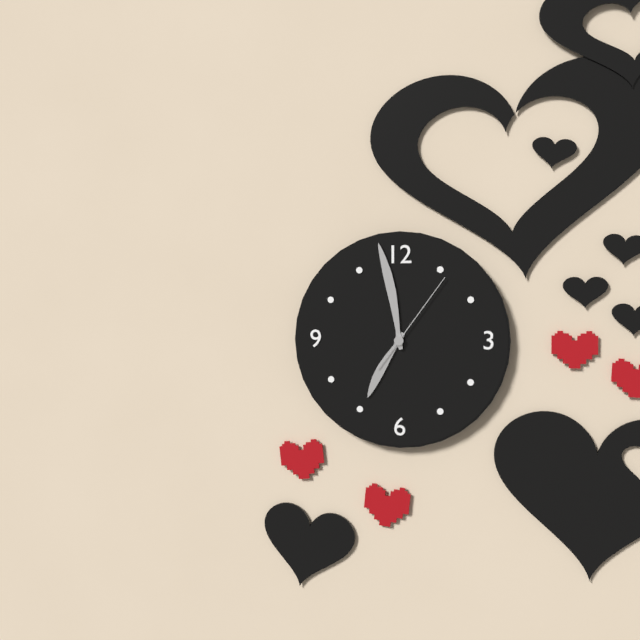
6:58:06
